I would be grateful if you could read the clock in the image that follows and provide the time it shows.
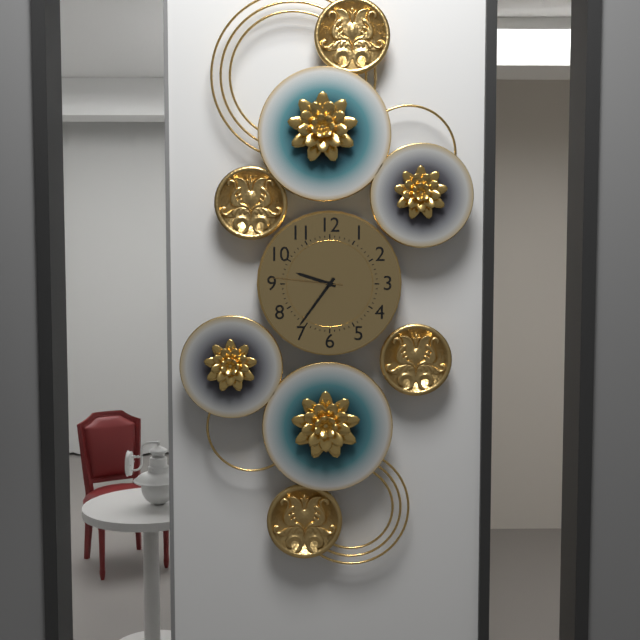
9:36:46
